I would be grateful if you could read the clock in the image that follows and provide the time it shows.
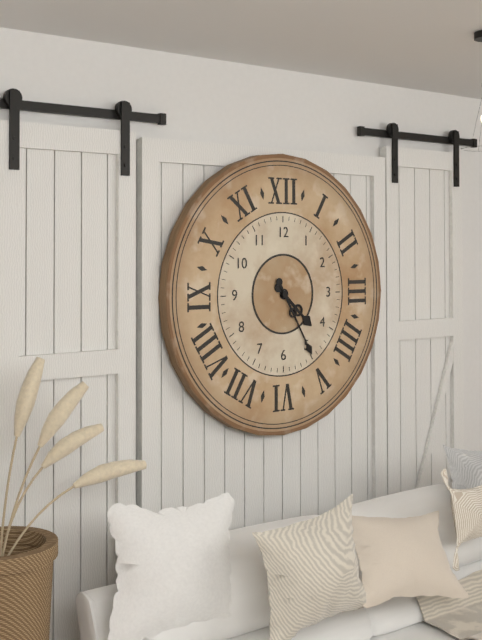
4:25
